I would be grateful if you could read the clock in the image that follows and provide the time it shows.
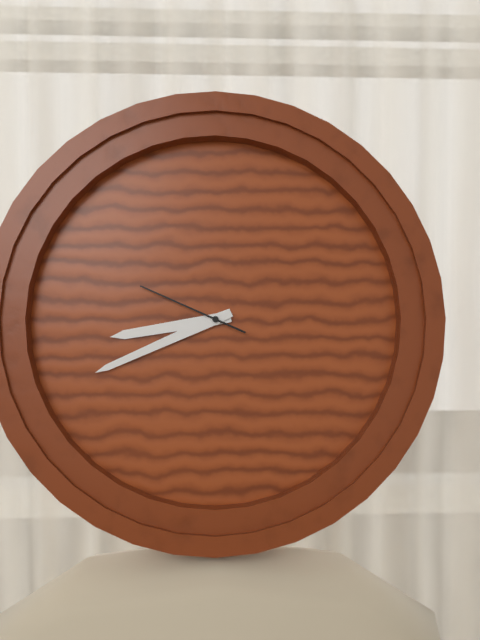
8:41:49
